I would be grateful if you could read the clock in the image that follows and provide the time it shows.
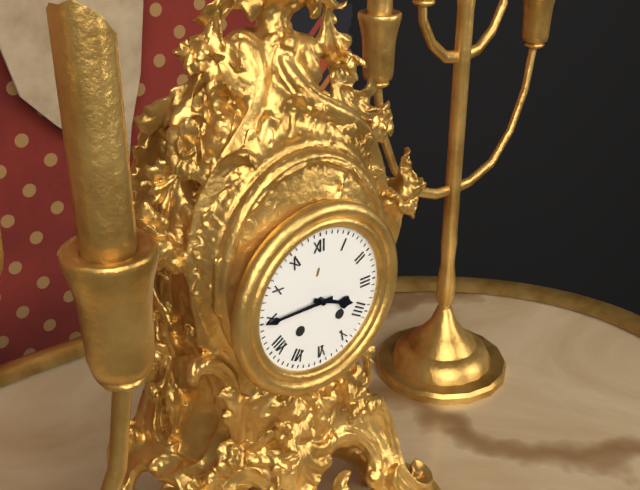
3:45
